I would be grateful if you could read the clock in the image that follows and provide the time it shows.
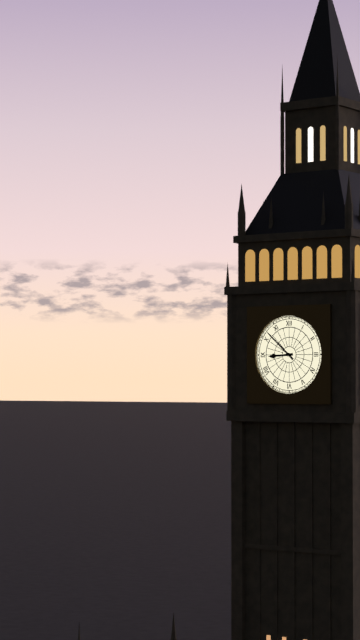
8:52
